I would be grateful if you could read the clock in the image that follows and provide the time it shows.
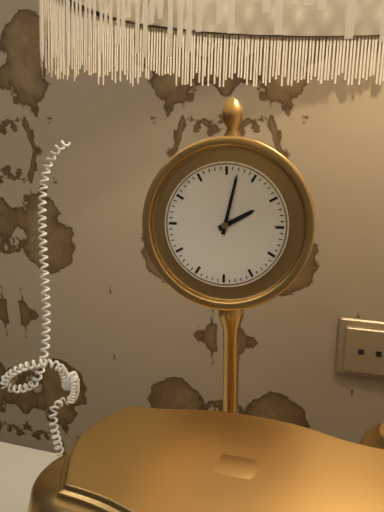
2:02
